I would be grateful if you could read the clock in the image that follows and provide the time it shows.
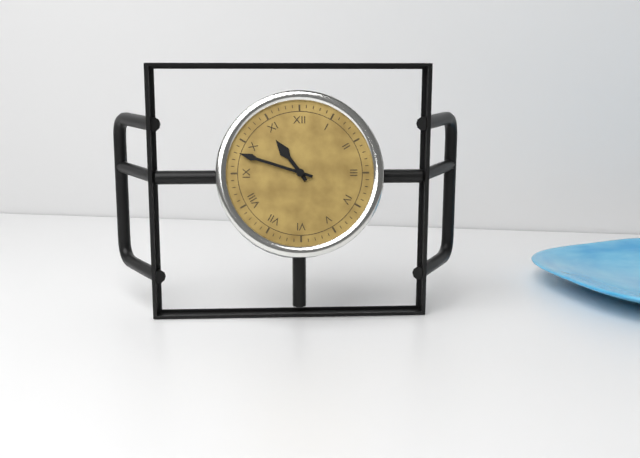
10:48
